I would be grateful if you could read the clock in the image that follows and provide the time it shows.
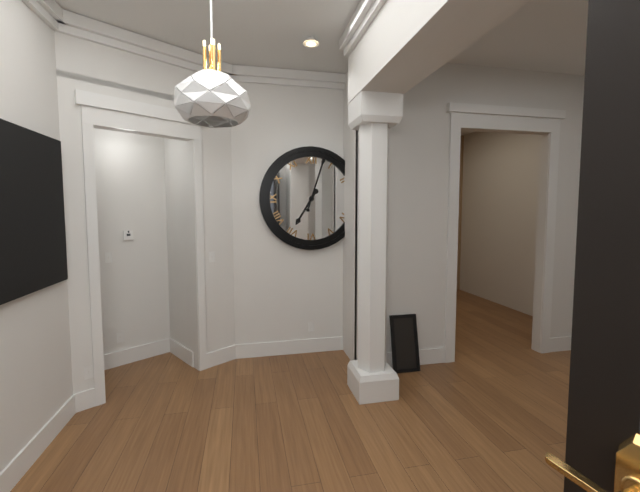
7:03
